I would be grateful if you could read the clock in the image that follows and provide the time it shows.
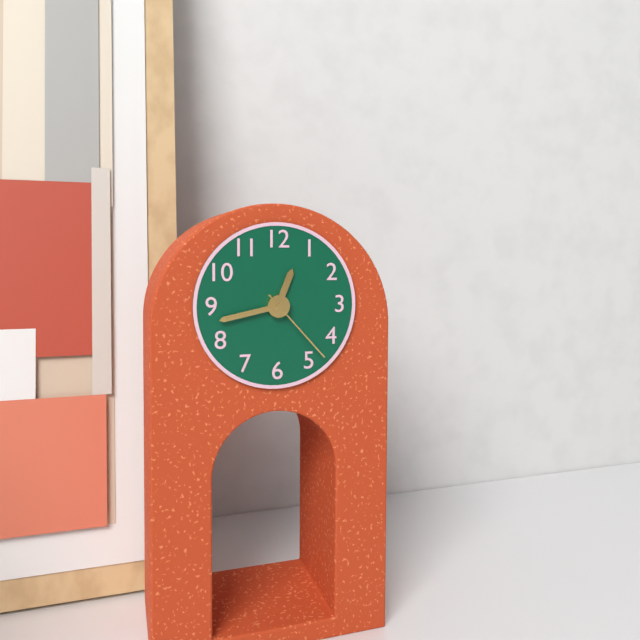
12:43:23
